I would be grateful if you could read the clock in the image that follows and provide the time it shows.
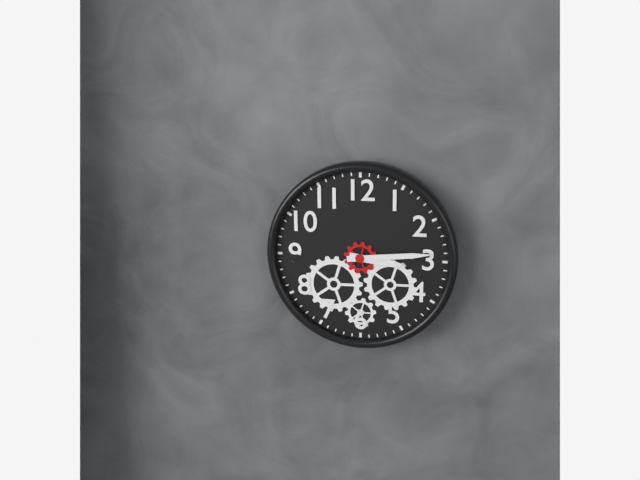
3:14
